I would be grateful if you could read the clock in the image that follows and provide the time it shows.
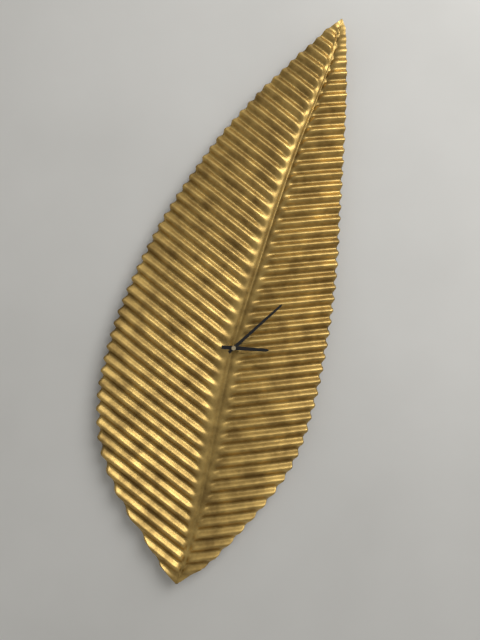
3:08
